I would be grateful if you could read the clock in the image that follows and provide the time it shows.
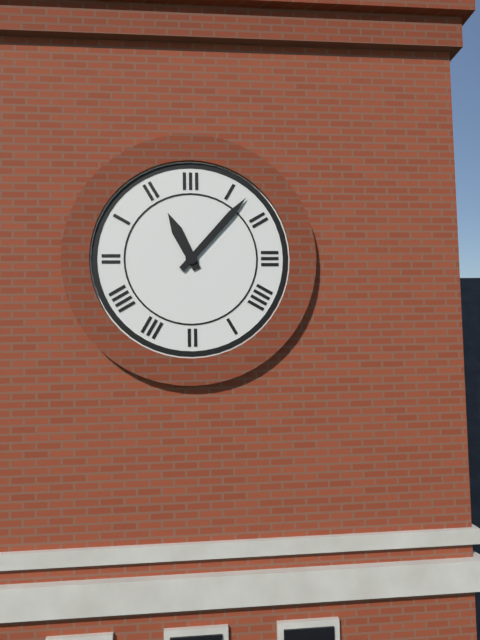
11:07
